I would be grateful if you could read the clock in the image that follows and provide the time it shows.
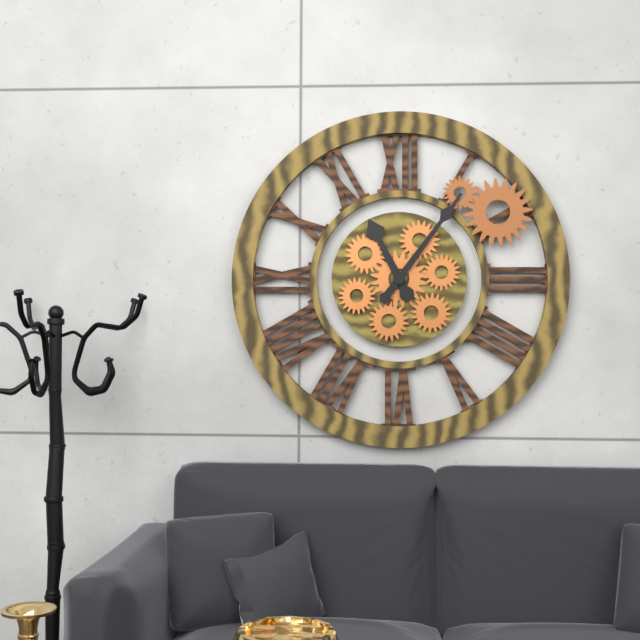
11:06
